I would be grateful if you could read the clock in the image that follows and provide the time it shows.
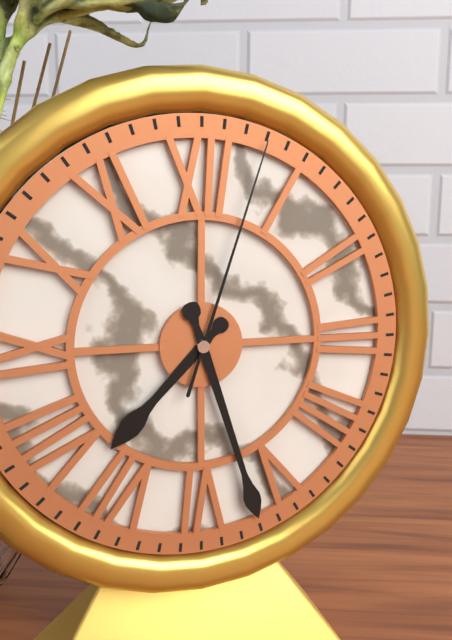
7:27:03
